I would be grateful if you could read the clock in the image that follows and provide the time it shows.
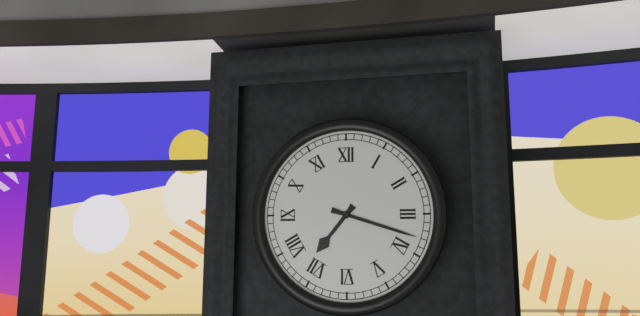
7:18
